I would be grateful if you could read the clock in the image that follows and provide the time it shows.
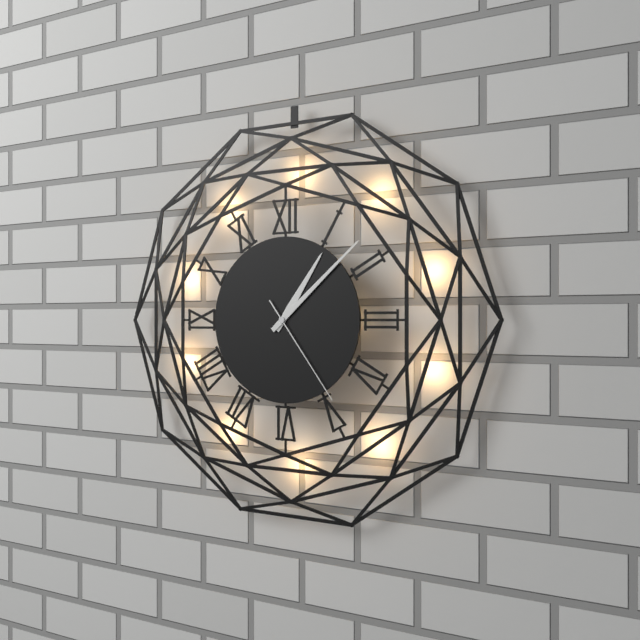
1:08:24
